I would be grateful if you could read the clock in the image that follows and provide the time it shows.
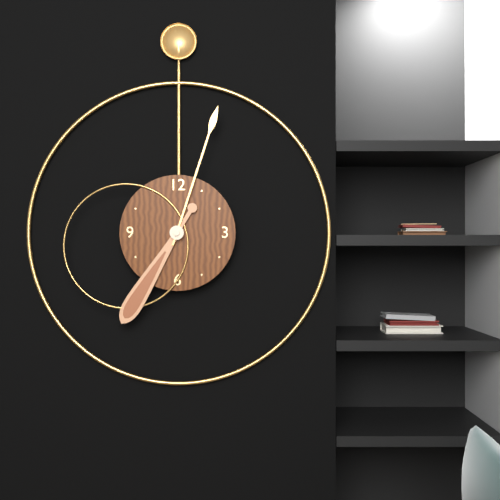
7:03
